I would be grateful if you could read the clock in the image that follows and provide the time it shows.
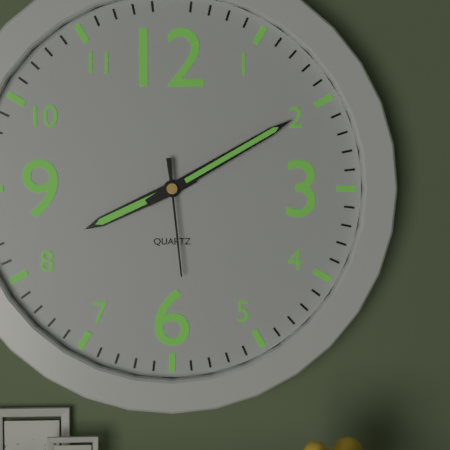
8:10:29
